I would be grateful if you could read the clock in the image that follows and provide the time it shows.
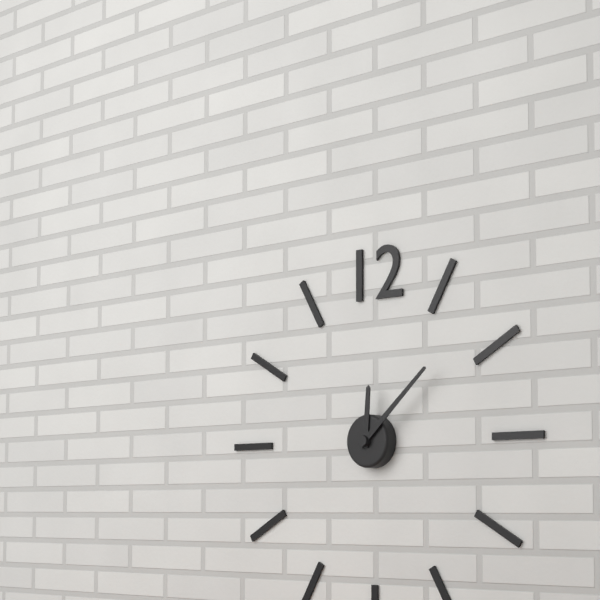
12:08
